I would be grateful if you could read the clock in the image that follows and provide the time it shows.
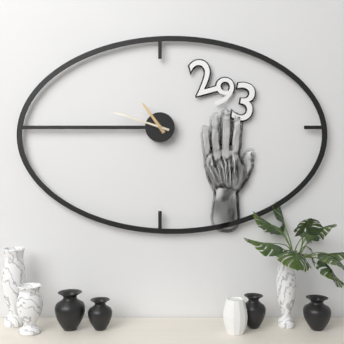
10:48
